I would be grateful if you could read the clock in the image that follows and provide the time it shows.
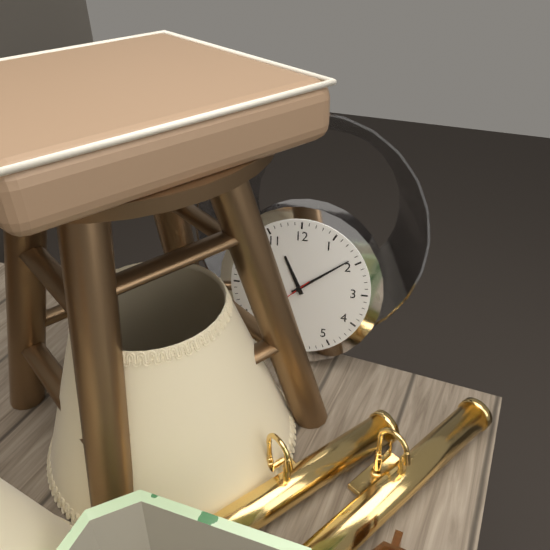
11:09
